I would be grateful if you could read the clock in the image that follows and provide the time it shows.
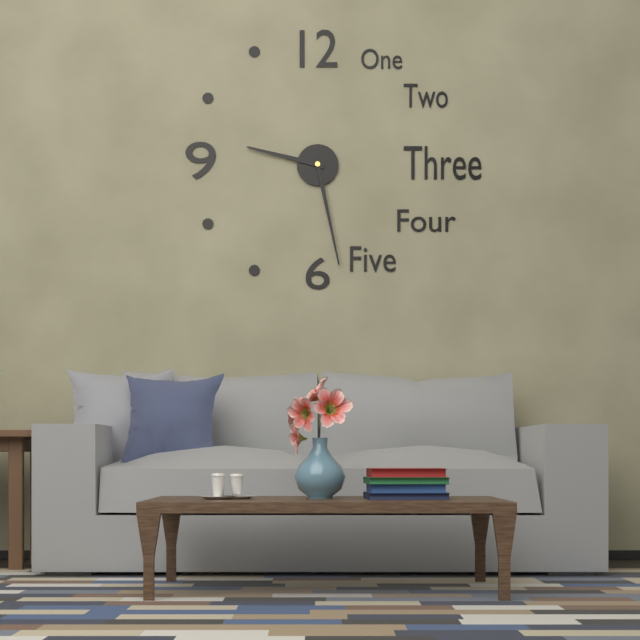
9:28
